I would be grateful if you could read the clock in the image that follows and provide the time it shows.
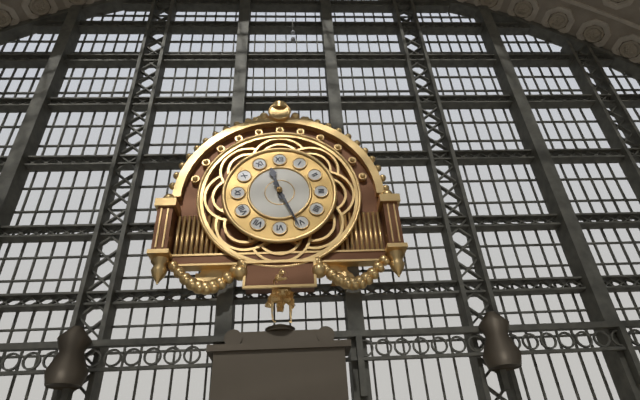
11:26
